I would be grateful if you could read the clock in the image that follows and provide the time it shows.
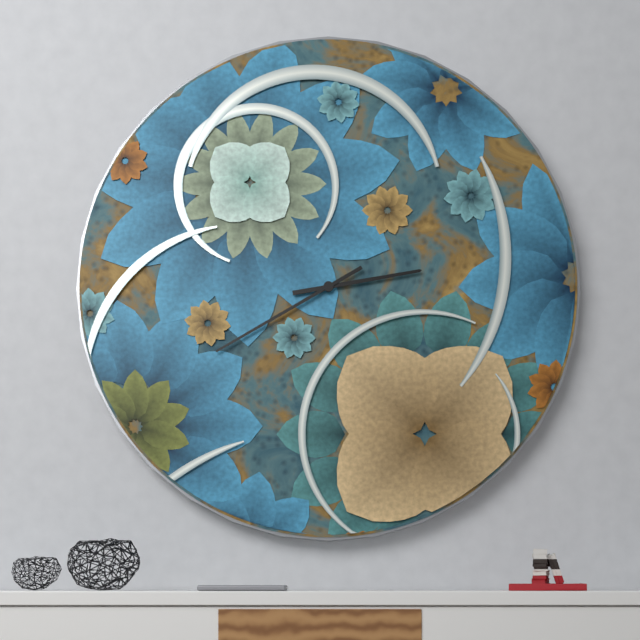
2:40
